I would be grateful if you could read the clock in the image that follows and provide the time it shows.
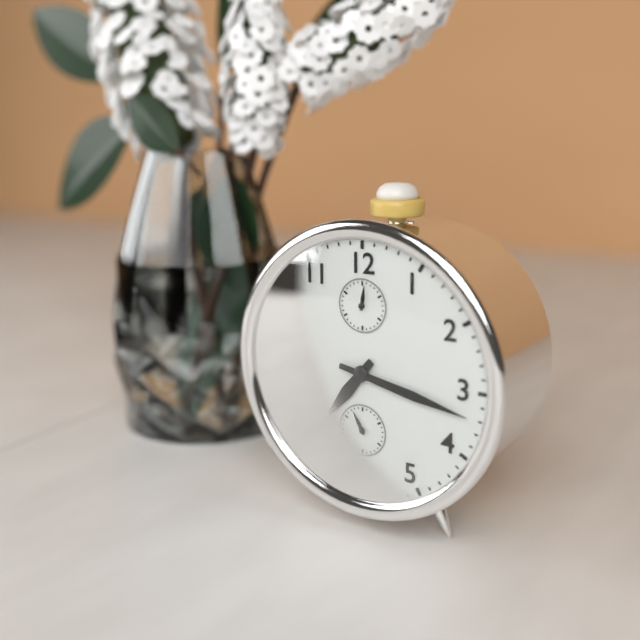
7:17
